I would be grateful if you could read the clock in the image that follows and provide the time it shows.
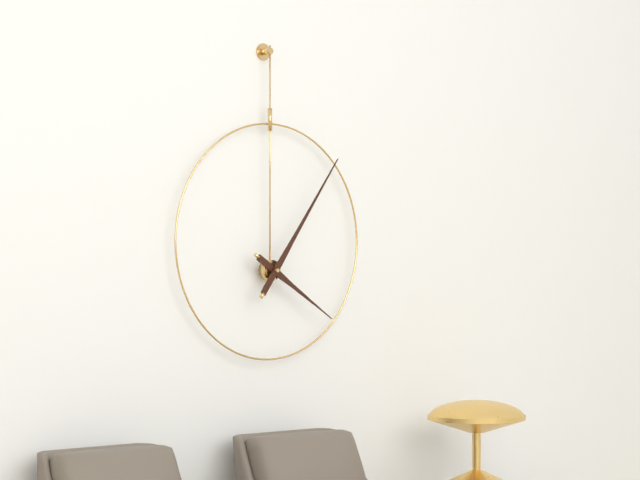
4:06
